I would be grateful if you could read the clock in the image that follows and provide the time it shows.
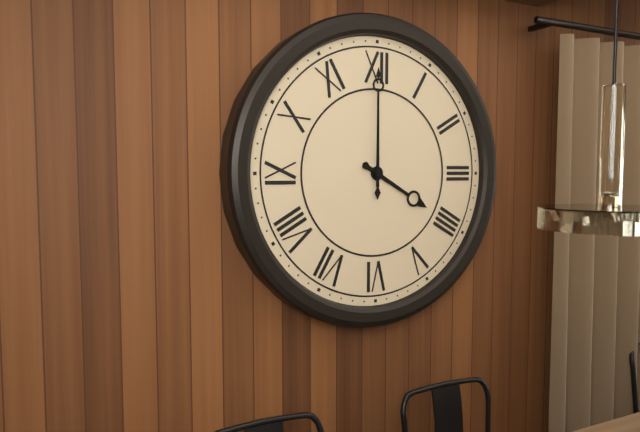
4:00
